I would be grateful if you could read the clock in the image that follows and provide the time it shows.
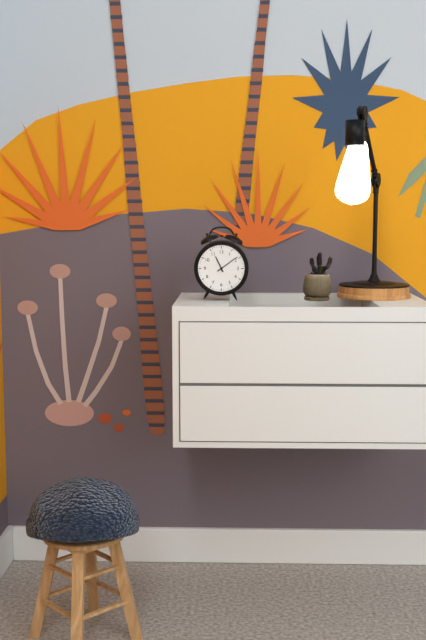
11:09
